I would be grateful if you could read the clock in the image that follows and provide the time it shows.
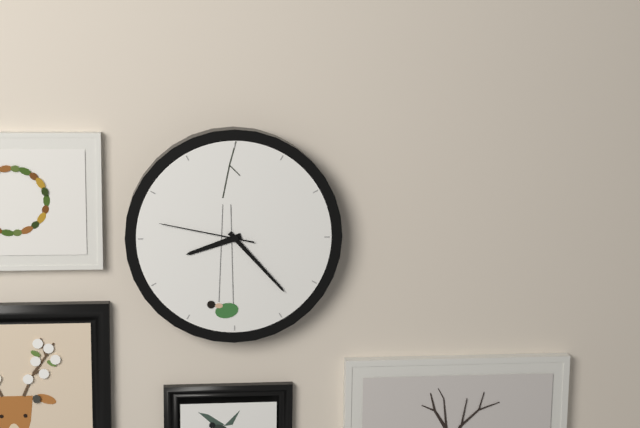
8:23:47
